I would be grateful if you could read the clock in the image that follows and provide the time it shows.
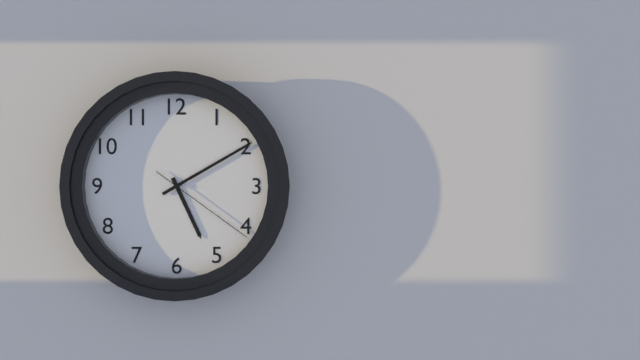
5:10:21
